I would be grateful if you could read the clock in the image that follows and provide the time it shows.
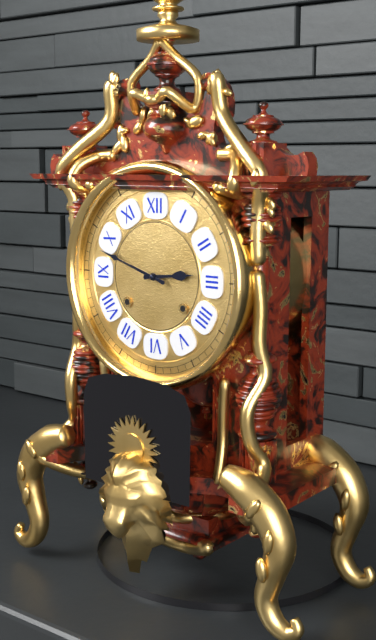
2:48
